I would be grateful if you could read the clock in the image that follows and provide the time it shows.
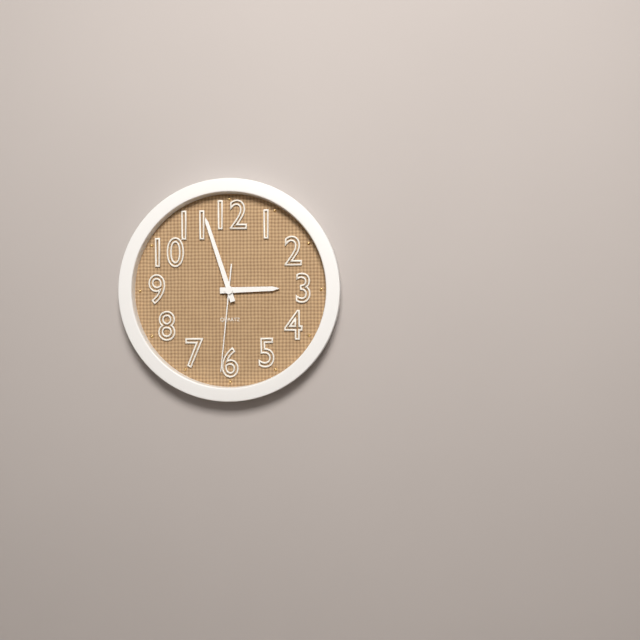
2:57:31
